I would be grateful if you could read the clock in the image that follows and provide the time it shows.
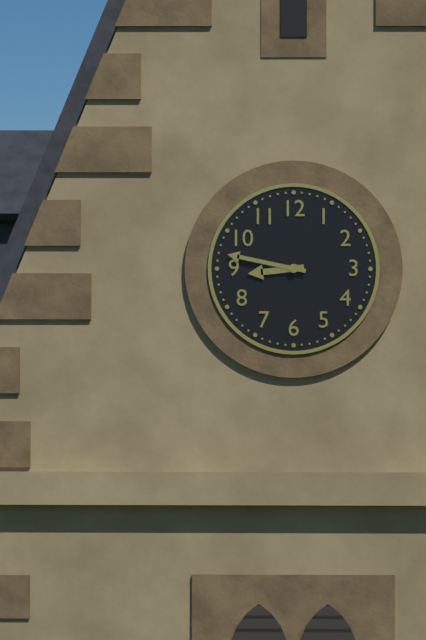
8:47
